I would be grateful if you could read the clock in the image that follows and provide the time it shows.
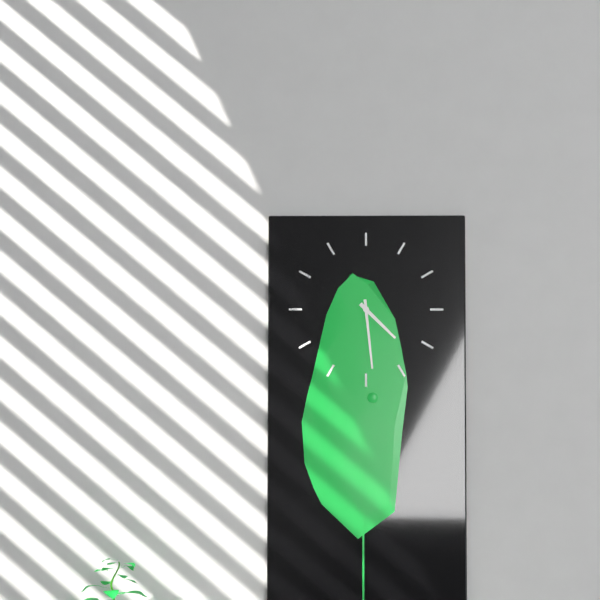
4:29
